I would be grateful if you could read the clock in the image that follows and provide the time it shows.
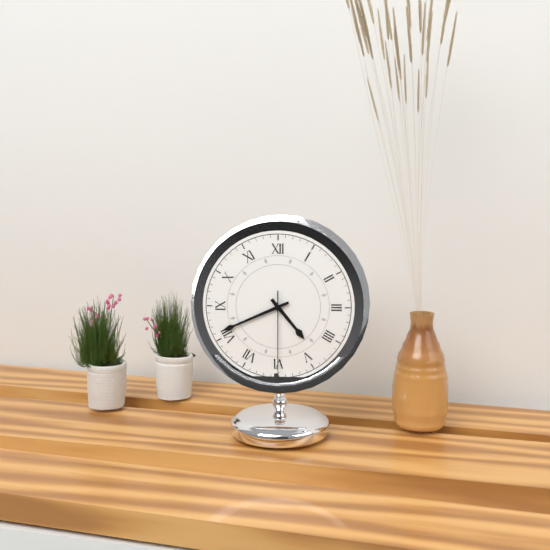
4:41:30
